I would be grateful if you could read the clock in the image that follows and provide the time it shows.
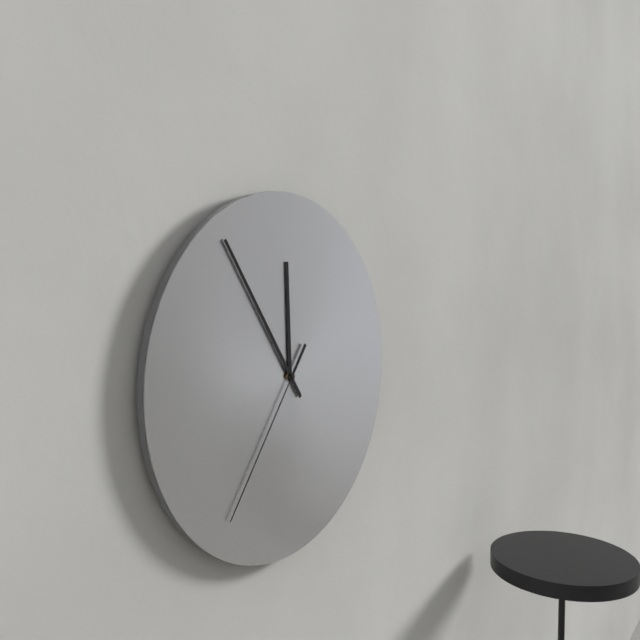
11:54:36
